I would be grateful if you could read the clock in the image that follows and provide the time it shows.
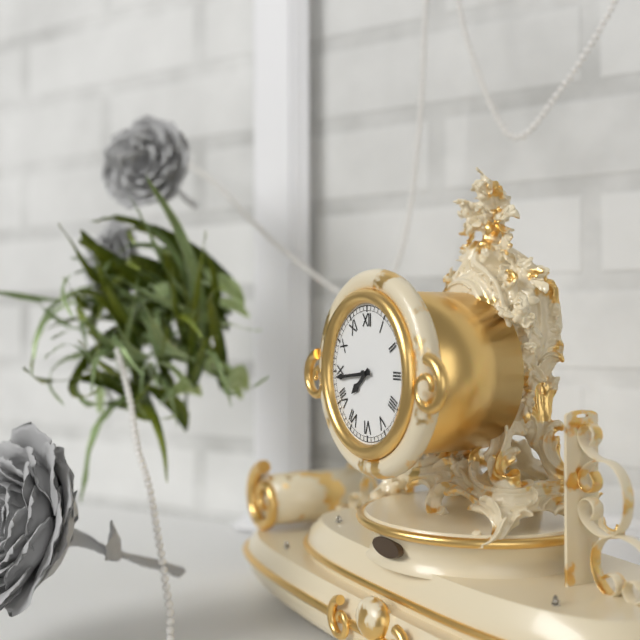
7:44
